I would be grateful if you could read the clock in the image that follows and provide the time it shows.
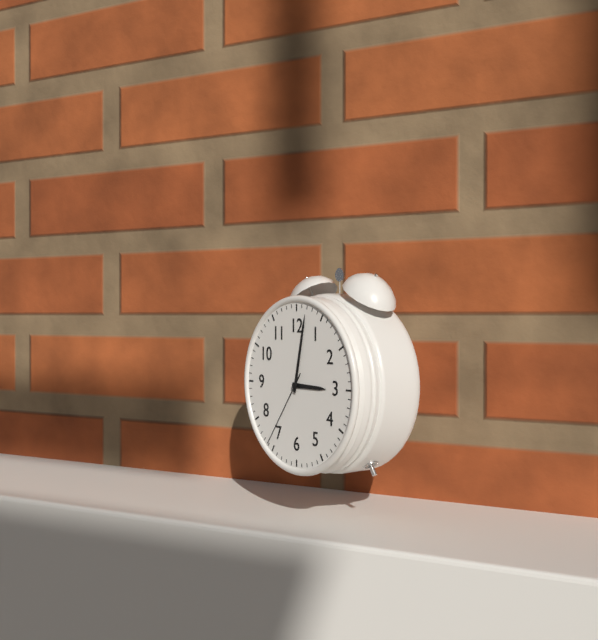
3:02:36
